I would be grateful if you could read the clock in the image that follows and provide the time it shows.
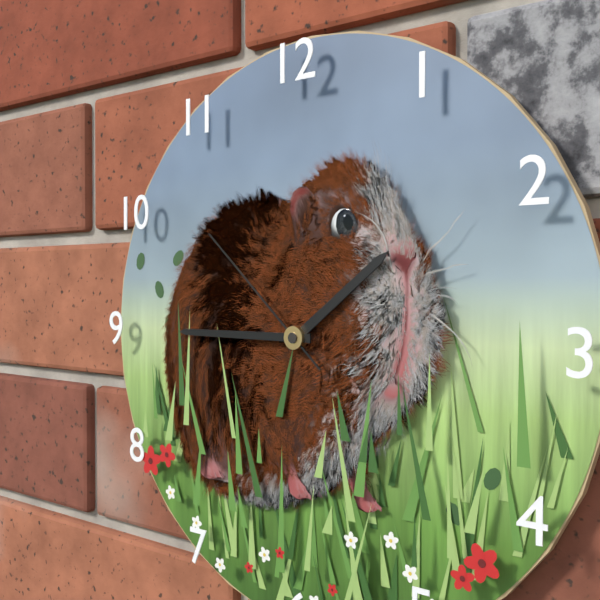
1:45:52
